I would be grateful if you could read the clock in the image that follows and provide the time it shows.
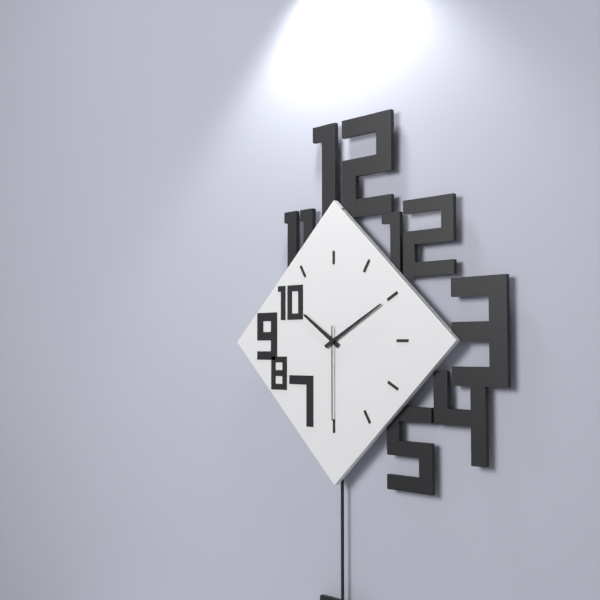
10:10:30
